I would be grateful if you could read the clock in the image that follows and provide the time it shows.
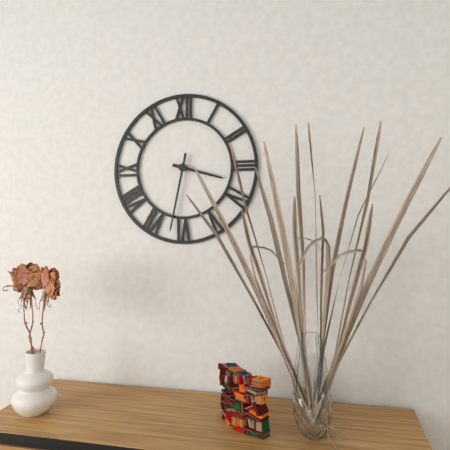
3:32
